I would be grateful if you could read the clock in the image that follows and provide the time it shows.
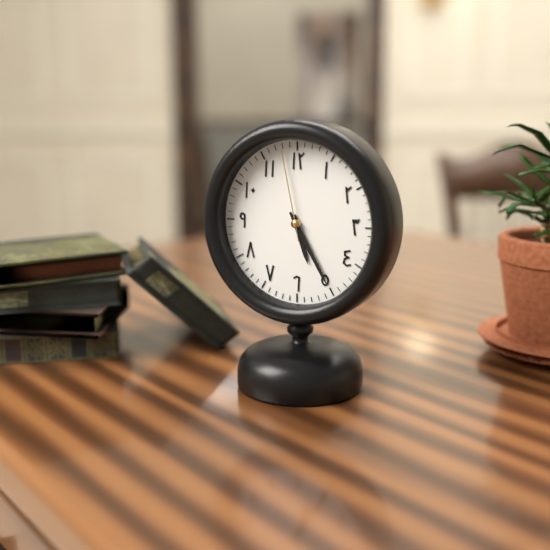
5:25:58
